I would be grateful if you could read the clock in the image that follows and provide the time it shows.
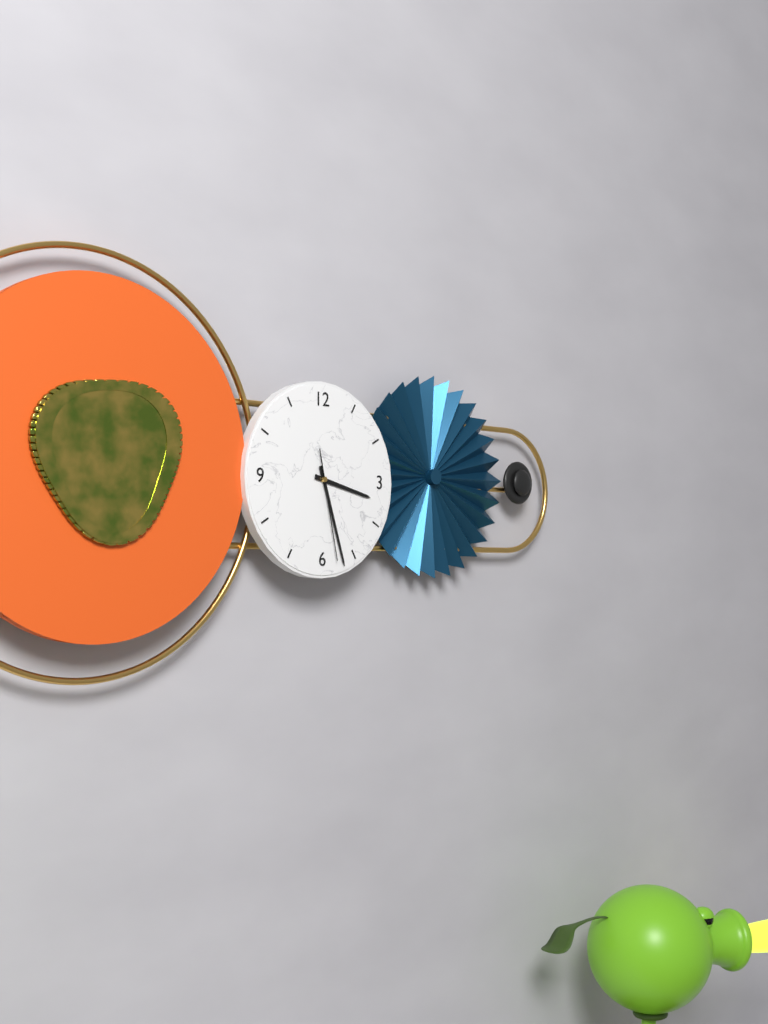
3:27:28
